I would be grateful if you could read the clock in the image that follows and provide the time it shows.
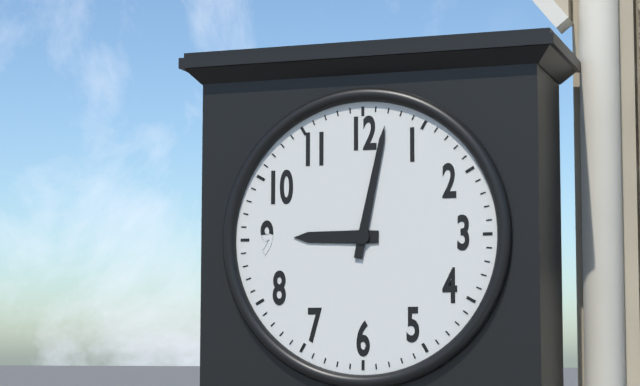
9:02
